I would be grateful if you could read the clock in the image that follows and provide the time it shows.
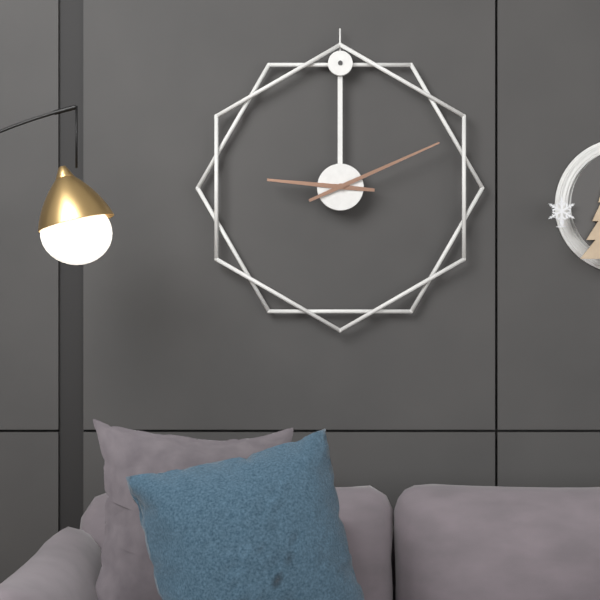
9:11
